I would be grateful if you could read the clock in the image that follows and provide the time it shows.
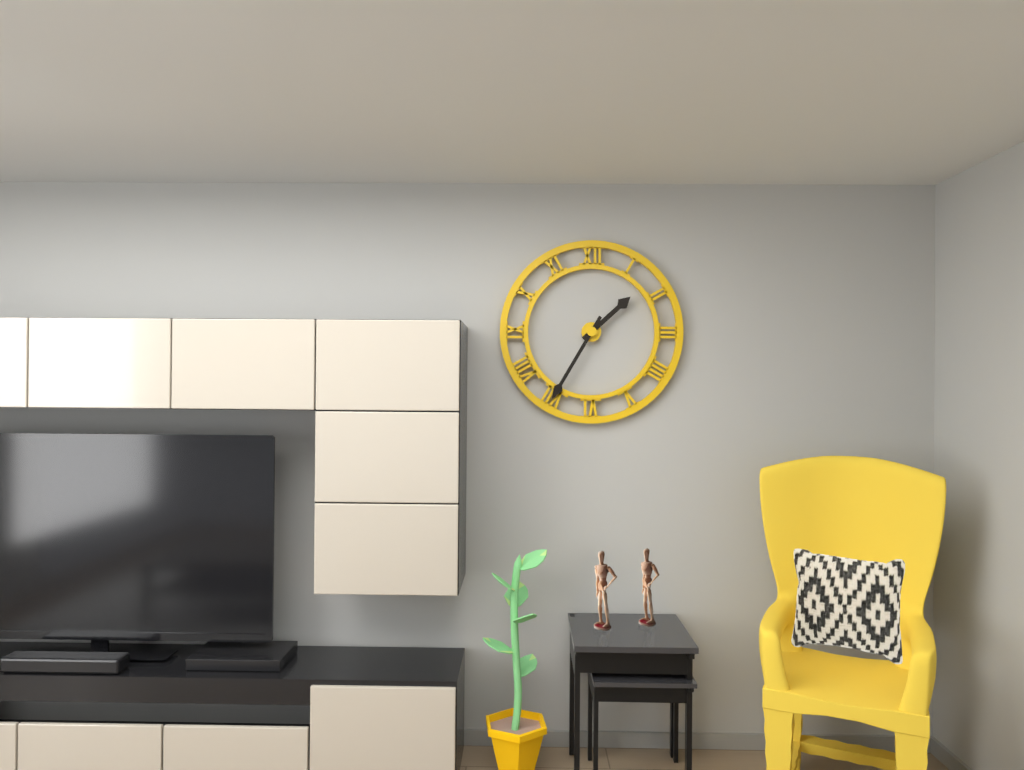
1:35
